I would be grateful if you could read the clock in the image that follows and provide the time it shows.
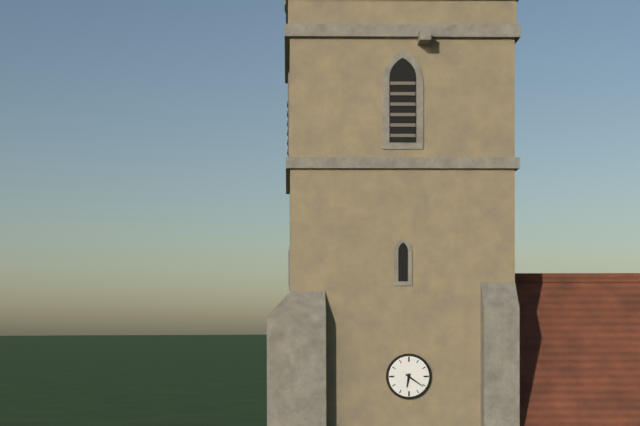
6:21
